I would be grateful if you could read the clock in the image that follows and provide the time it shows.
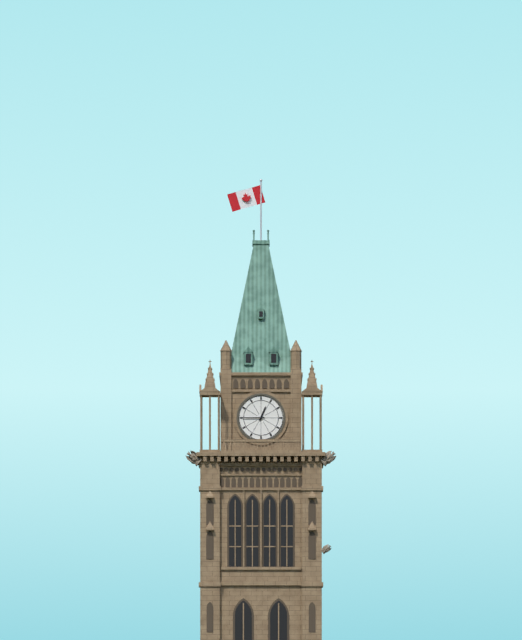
12:45
